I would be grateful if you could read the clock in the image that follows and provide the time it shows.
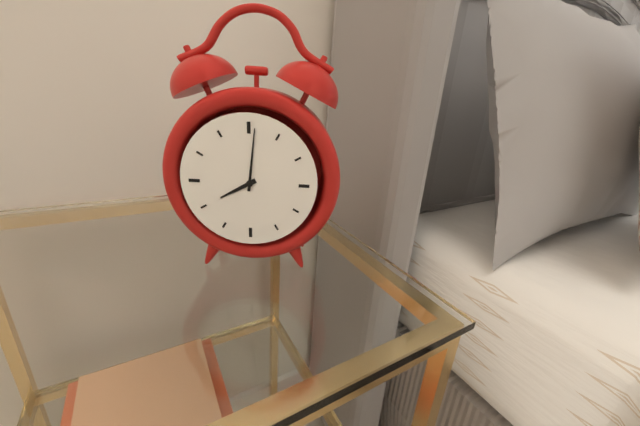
8:01
